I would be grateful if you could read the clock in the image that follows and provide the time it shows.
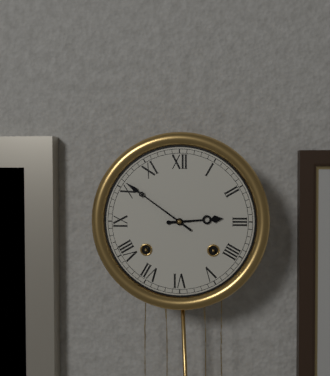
2:51
